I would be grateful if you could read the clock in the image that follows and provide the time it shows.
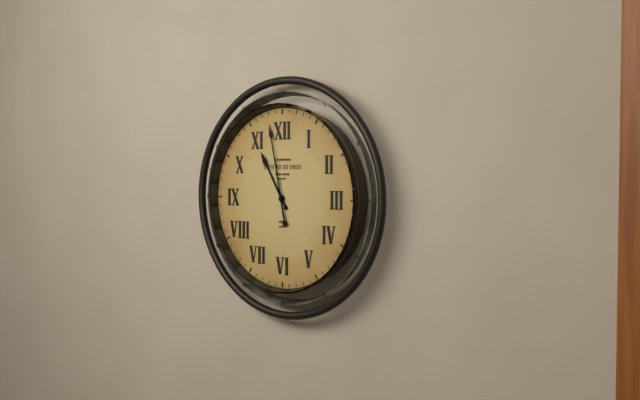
10:58
